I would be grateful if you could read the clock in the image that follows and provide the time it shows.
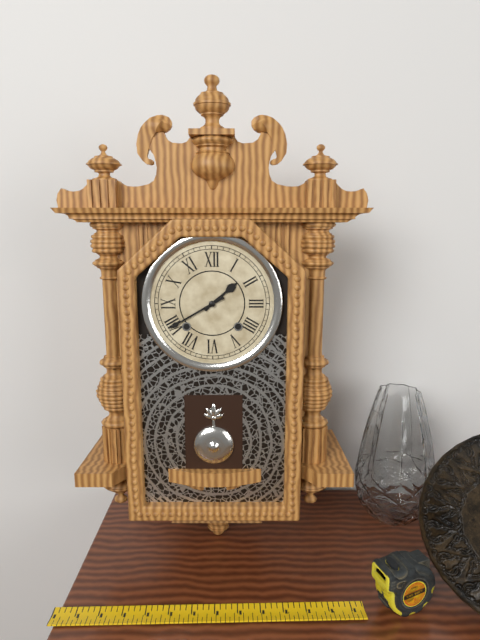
1:40
